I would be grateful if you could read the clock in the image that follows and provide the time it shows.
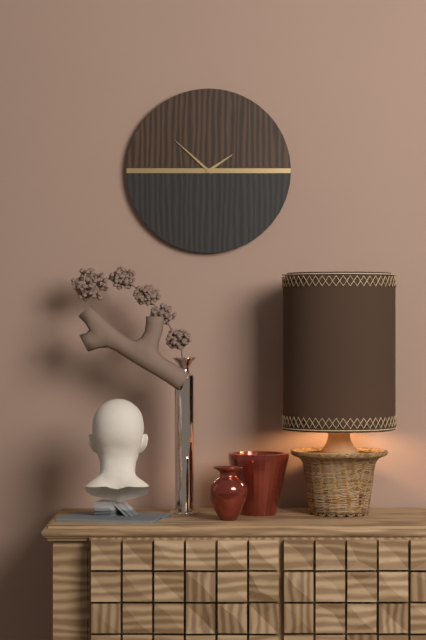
1:52
